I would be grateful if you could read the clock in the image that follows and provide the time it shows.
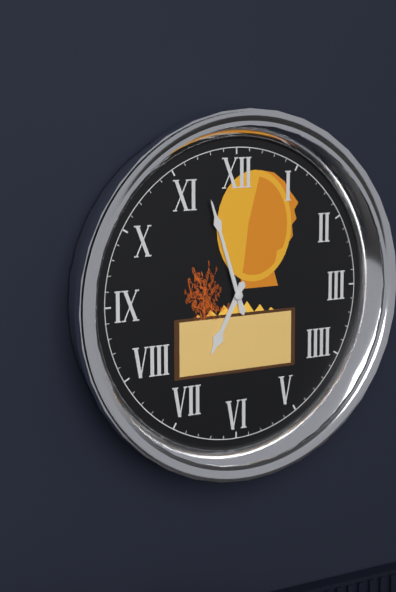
6:57
